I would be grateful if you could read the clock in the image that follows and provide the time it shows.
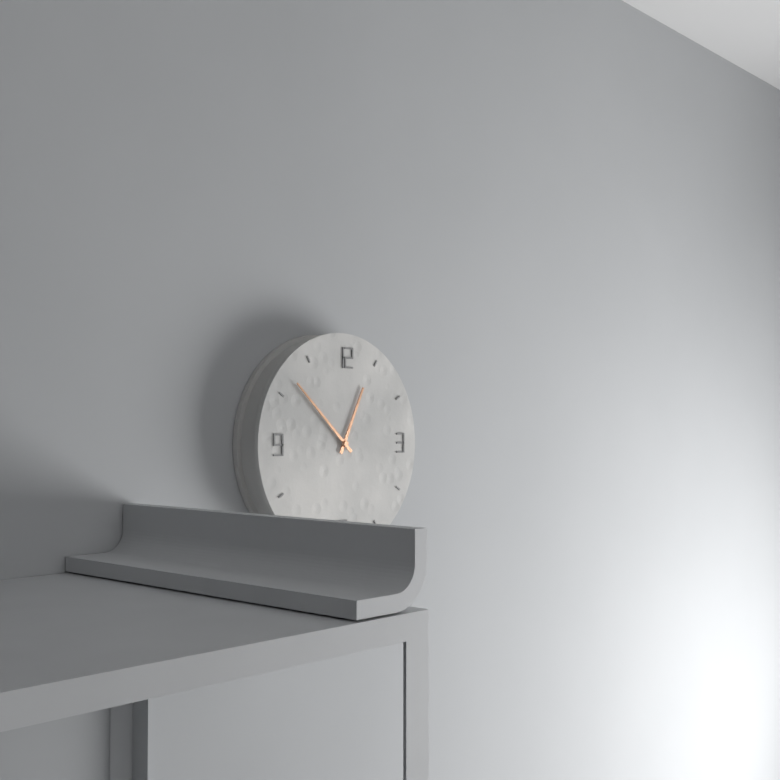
12:52
